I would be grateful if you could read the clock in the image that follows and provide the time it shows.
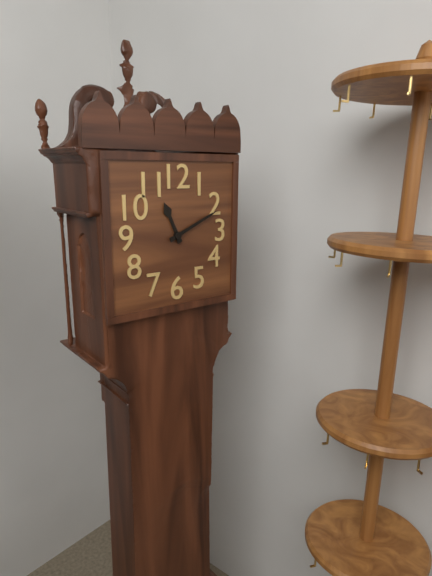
11:11
